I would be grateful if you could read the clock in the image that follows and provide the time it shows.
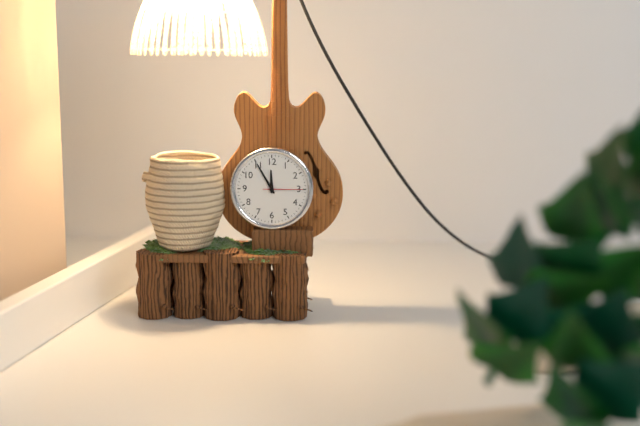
11:55
